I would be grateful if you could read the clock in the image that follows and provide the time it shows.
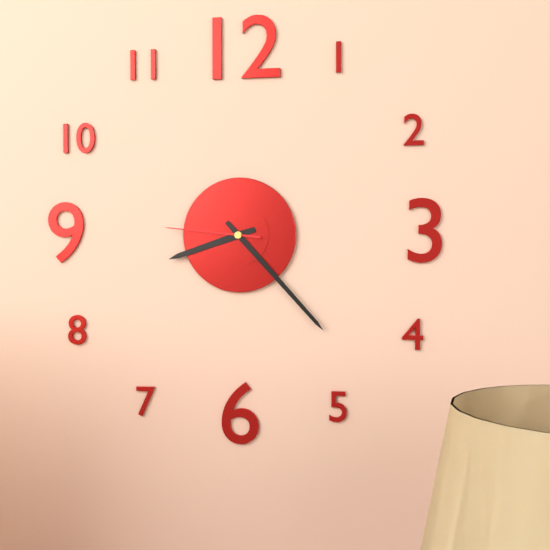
8:23:46
